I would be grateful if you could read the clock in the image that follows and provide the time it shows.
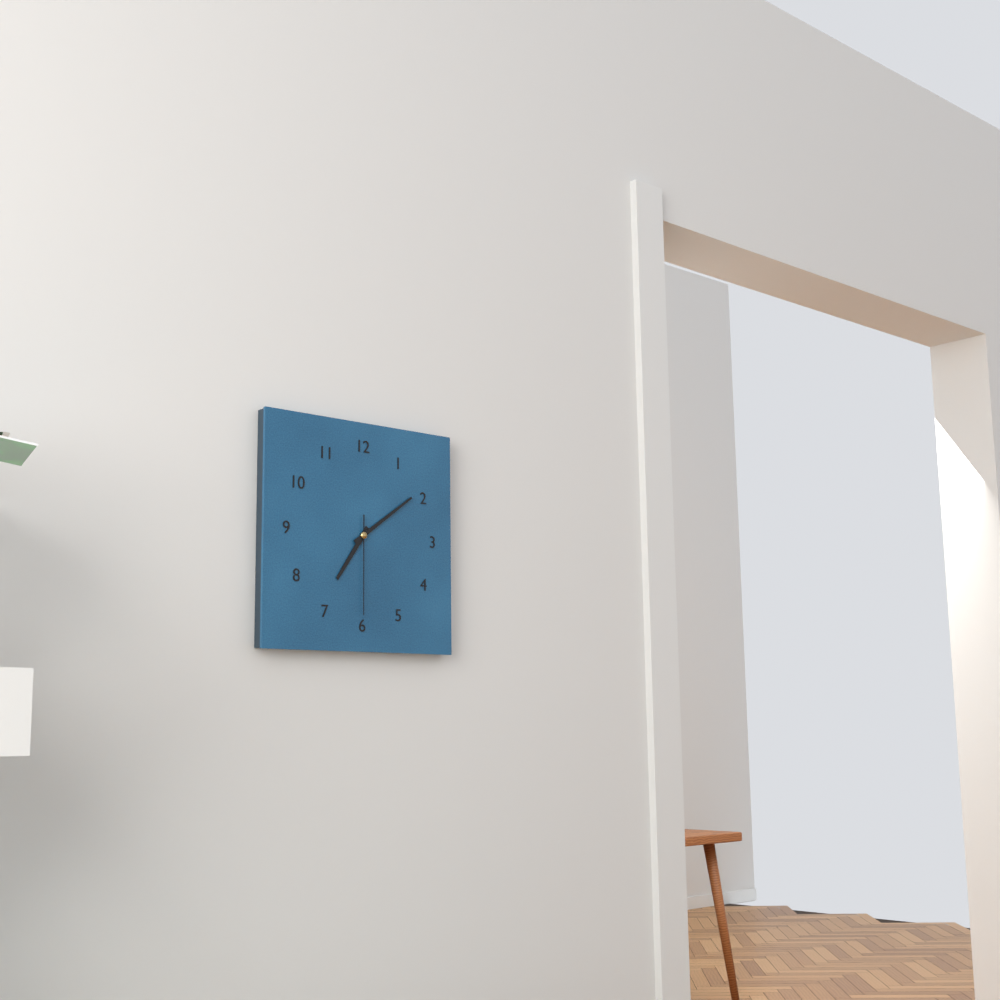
7:09:30
